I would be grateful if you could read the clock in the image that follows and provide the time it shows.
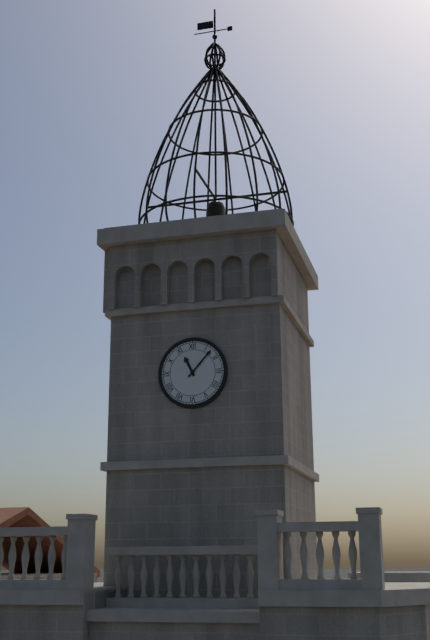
11:07
